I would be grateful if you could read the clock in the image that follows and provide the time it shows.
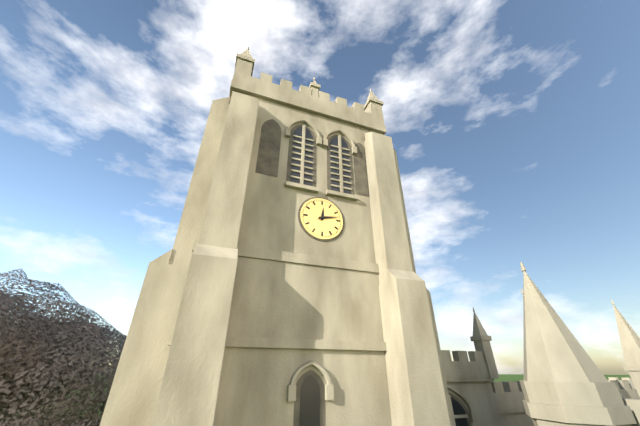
12:13
